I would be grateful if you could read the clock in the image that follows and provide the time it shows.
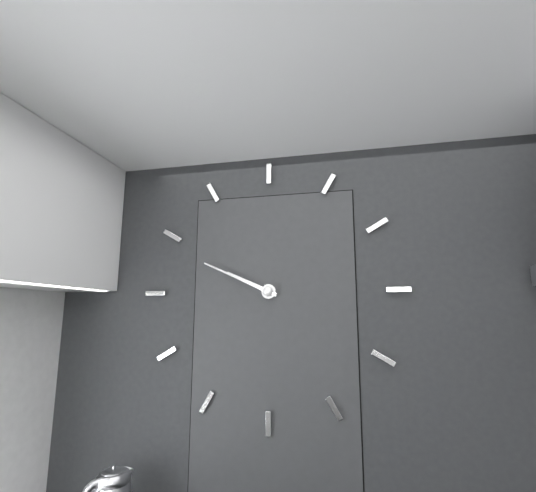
9:49
